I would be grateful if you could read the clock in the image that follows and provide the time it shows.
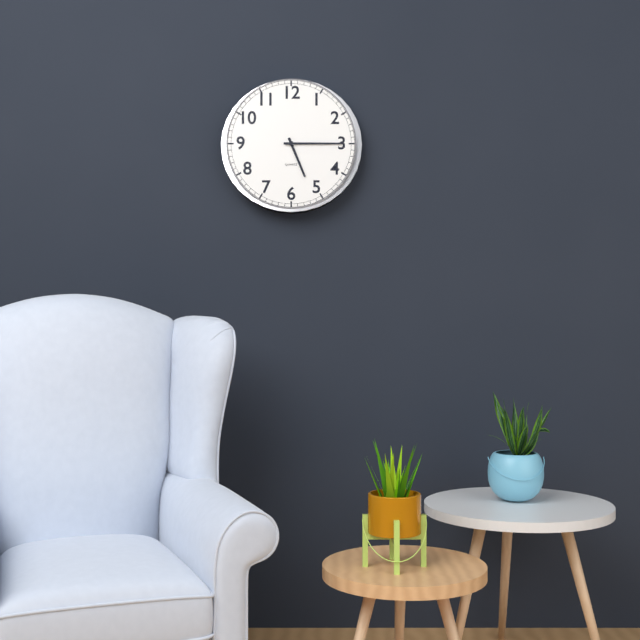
5:15
